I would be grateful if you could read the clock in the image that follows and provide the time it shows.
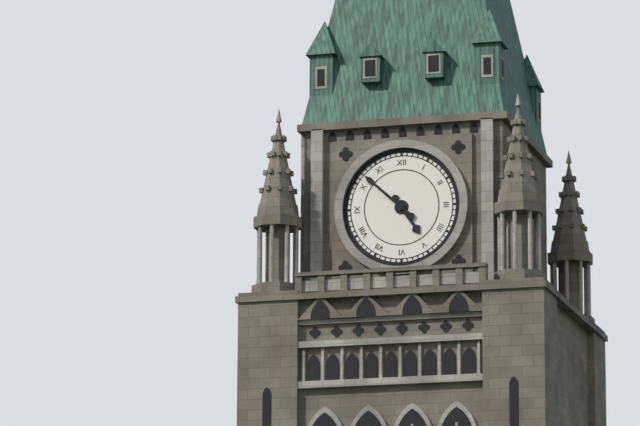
4:52
